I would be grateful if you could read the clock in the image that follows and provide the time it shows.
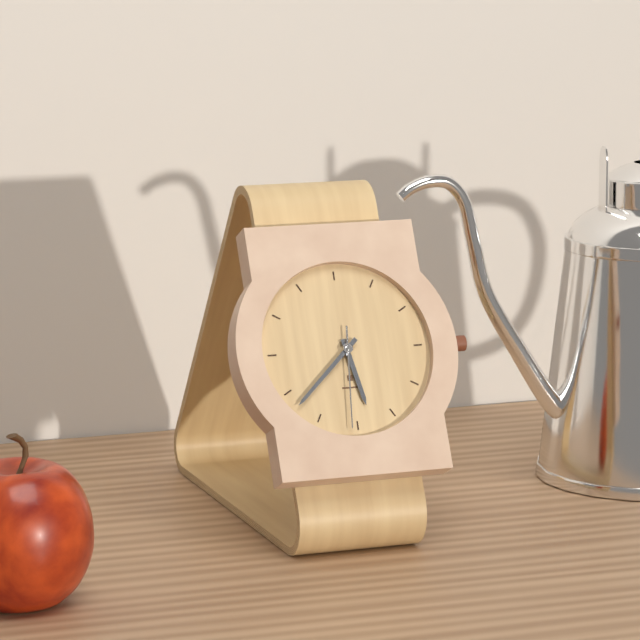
5:38:31
